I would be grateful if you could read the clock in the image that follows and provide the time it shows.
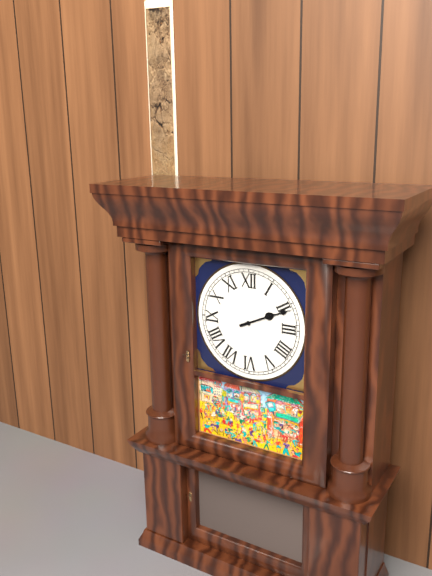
2:11
